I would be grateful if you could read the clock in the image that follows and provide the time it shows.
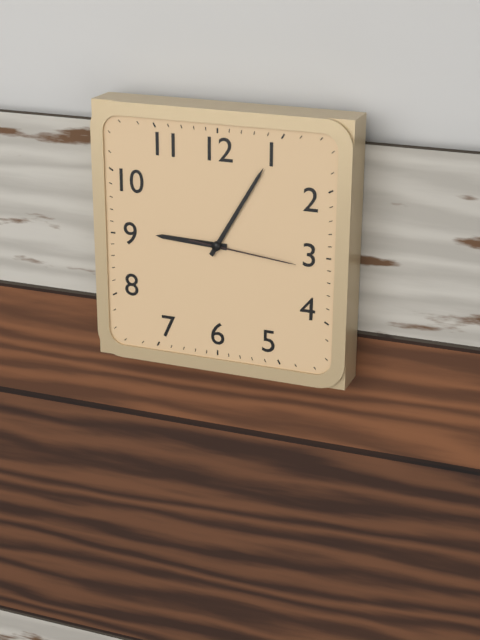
9:05:16
